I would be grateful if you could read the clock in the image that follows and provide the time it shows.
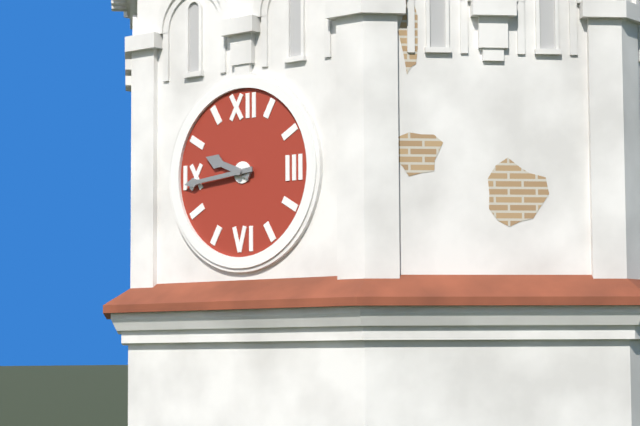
9:44
